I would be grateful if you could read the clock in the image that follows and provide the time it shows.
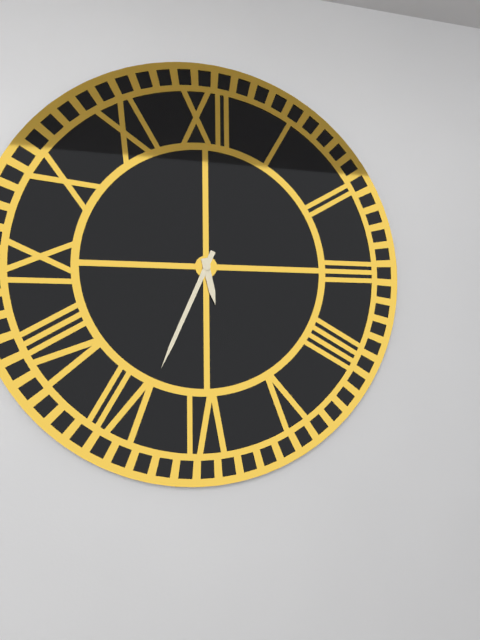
5:34
